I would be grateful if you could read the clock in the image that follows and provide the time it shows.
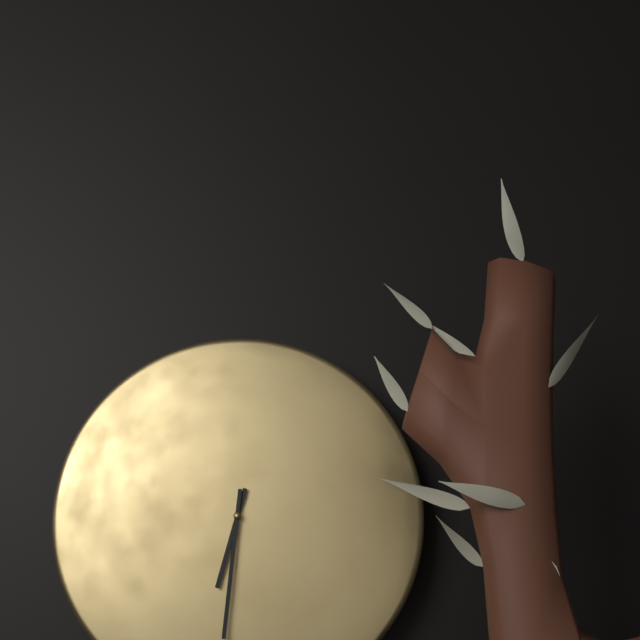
6:31
